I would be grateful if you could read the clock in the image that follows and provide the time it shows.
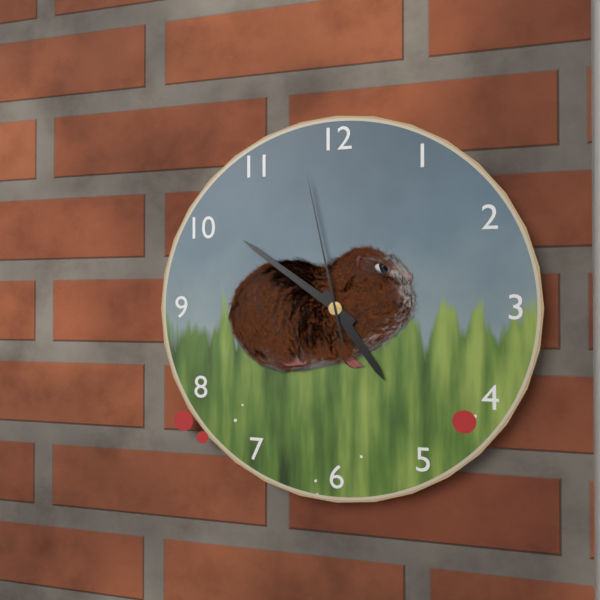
4:51:58
